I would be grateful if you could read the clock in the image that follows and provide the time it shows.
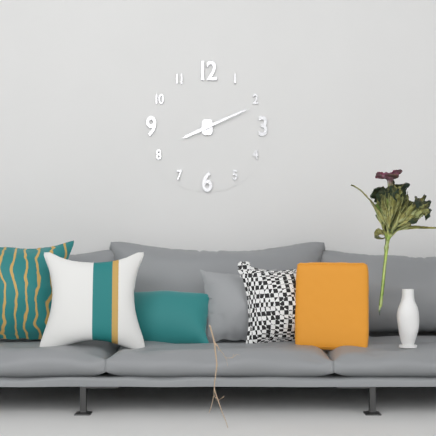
8:11
